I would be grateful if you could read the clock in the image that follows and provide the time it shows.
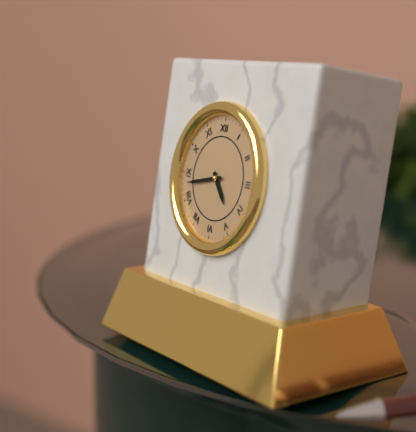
4:43
